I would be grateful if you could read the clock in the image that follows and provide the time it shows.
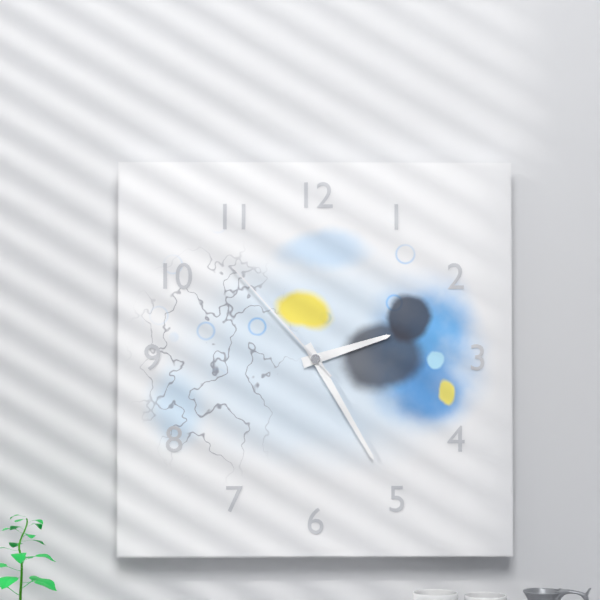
2:25:53
